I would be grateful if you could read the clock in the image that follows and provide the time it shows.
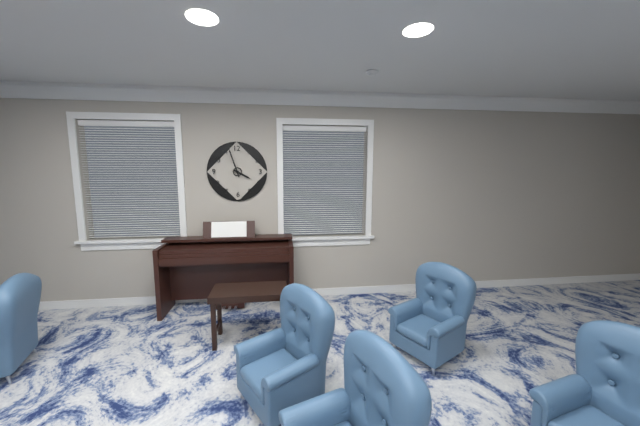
3:57
